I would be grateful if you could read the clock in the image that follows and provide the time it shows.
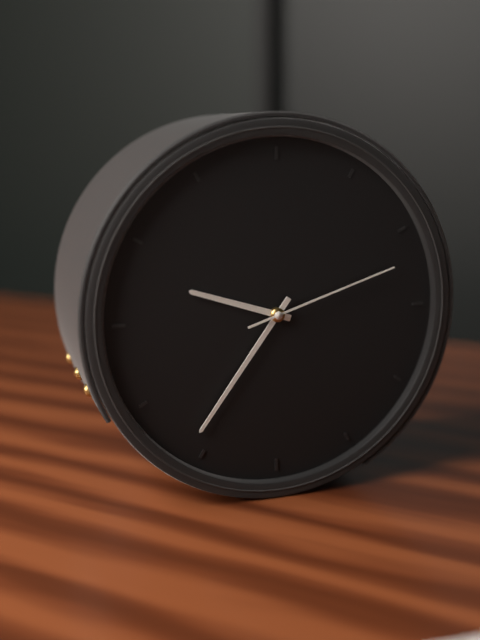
9:36:12
